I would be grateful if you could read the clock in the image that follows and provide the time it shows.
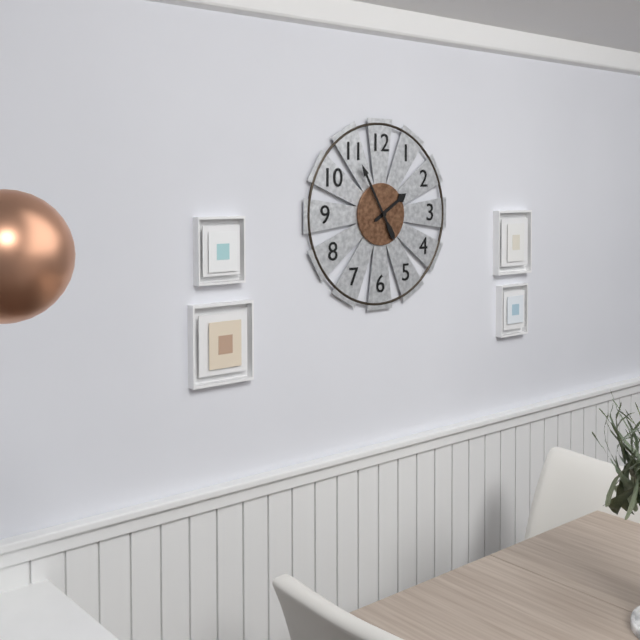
1:55
